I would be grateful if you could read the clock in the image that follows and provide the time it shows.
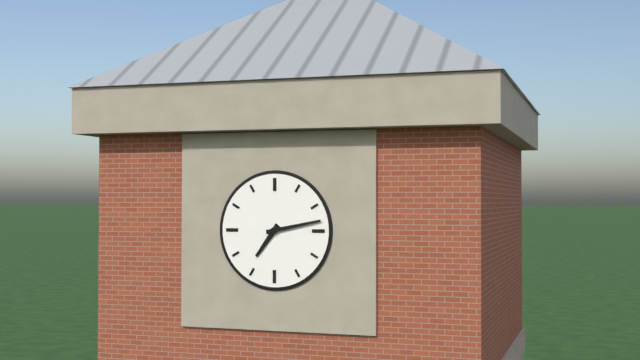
7:13
